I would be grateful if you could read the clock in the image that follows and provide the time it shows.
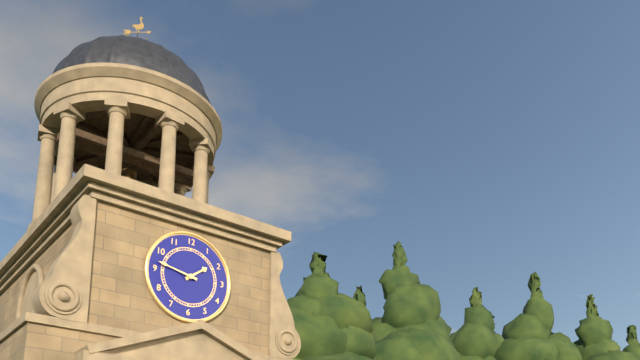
1:47
